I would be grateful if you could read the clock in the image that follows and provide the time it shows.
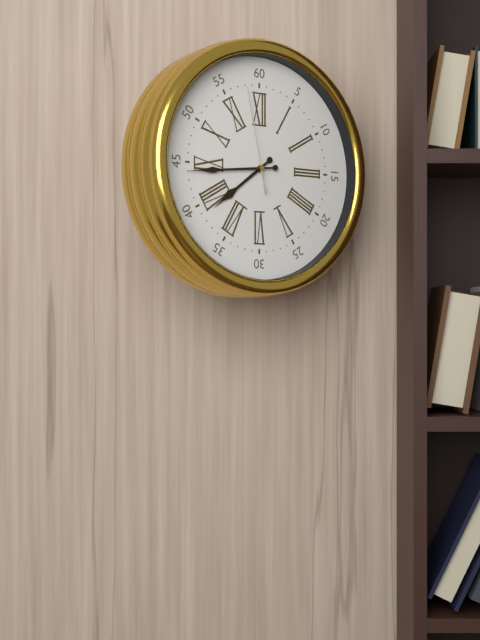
7:44:58
